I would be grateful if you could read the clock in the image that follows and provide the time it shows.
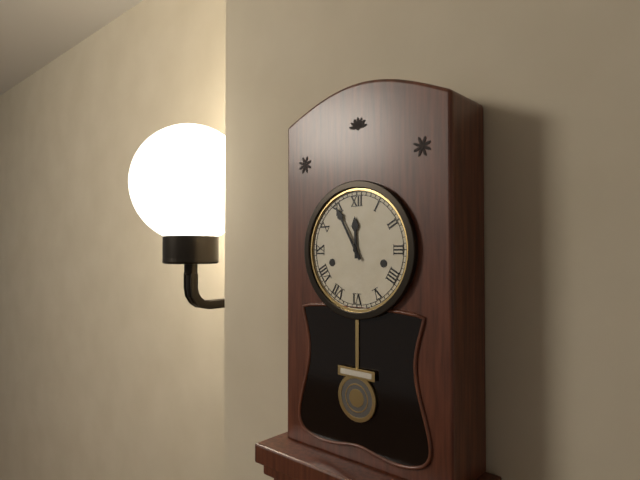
11:55
